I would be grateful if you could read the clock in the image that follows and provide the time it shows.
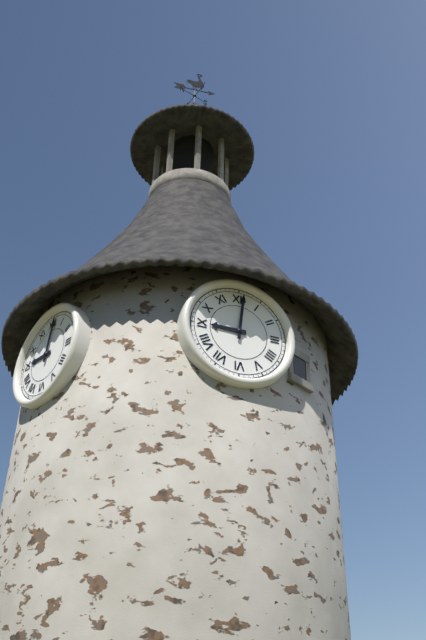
9:01
